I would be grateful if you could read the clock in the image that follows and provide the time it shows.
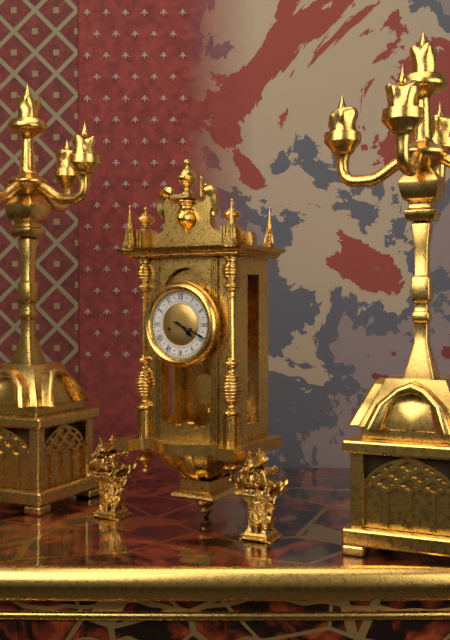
4:19
